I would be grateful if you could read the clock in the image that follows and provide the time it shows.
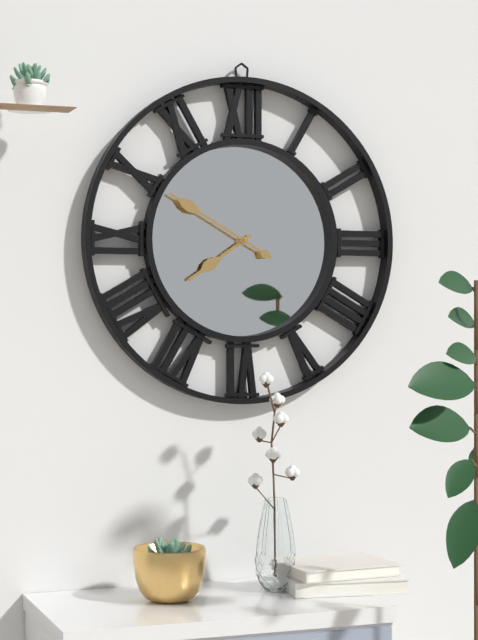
7:50
